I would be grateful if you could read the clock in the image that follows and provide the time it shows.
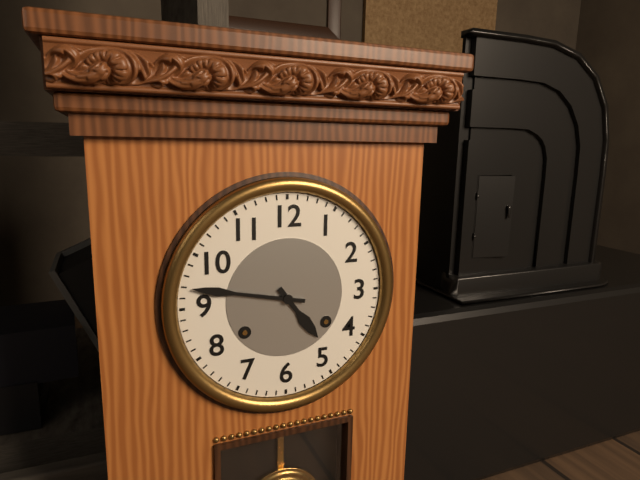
4:47
